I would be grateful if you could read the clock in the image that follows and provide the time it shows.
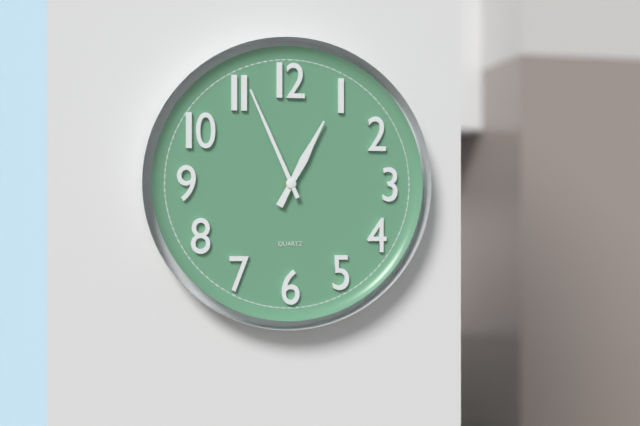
12:56
